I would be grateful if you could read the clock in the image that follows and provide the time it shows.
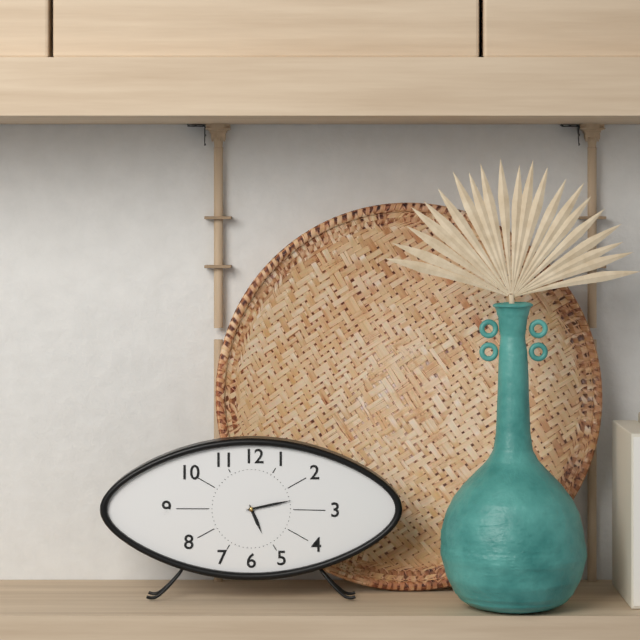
5:13
